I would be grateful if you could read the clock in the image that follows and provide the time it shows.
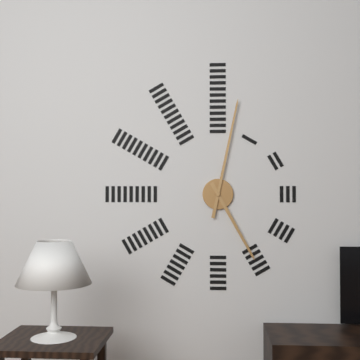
5:02
